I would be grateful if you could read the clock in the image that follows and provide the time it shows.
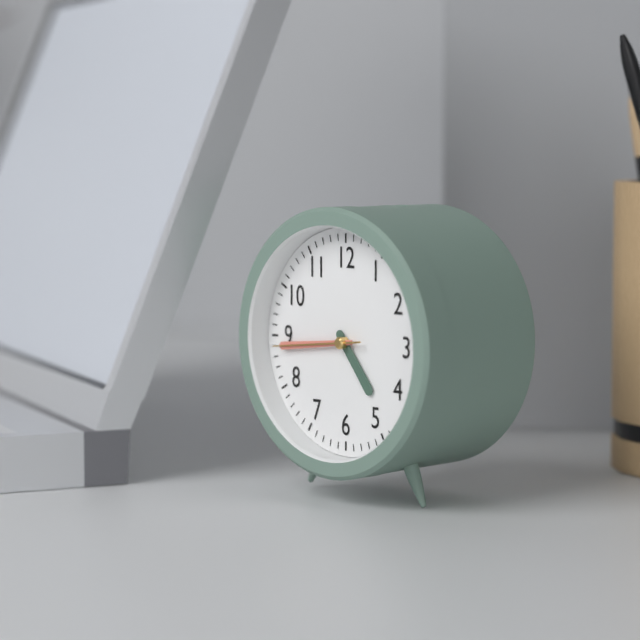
4:44:44
